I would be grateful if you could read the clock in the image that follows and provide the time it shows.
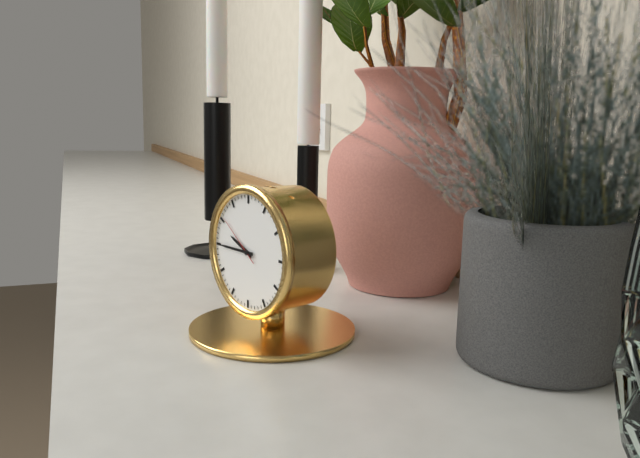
9:45:51
